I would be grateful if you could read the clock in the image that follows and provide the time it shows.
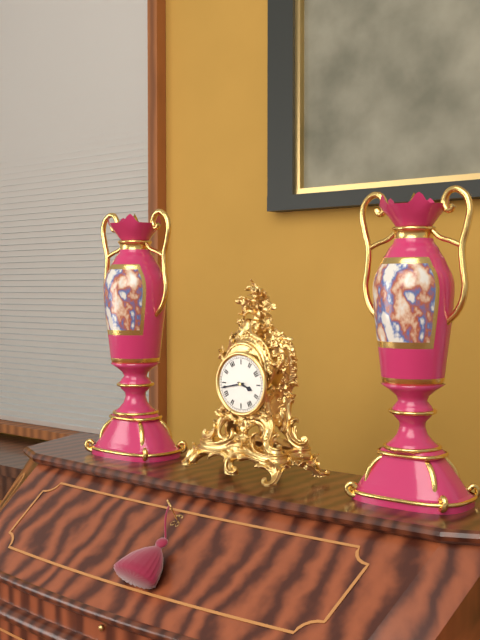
3:43
